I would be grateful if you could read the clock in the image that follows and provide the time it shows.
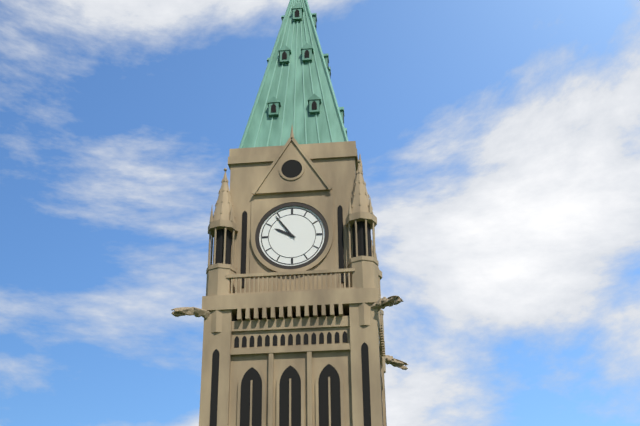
9:54
